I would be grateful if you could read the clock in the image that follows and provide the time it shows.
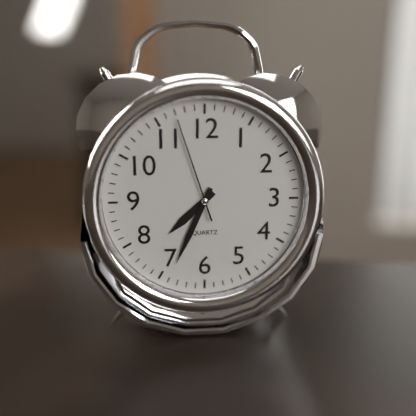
7:34:57
